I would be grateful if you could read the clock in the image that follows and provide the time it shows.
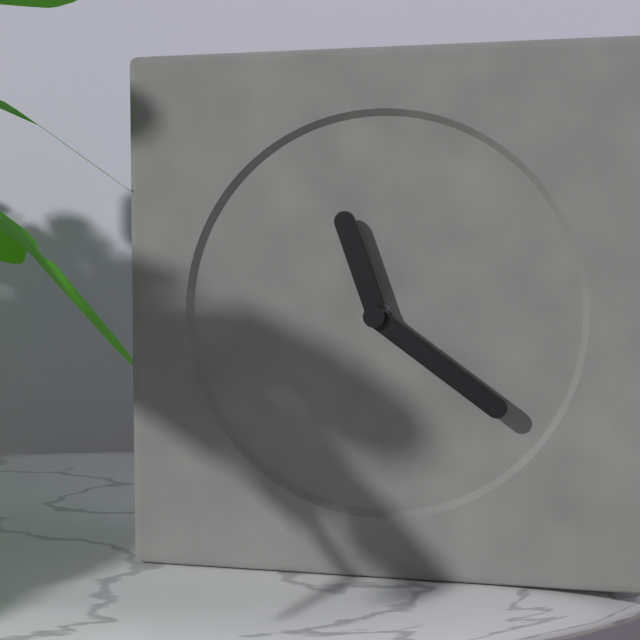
11:21
